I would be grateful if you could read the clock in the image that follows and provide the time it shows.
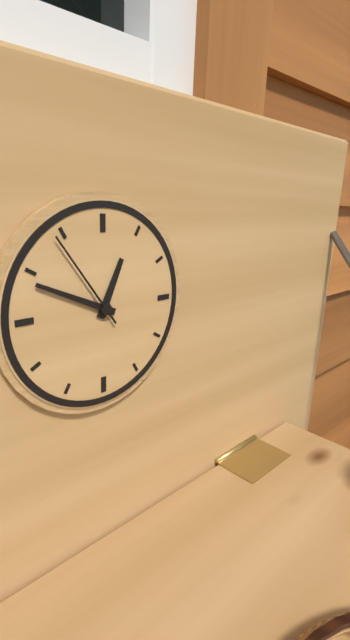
12:49:54
